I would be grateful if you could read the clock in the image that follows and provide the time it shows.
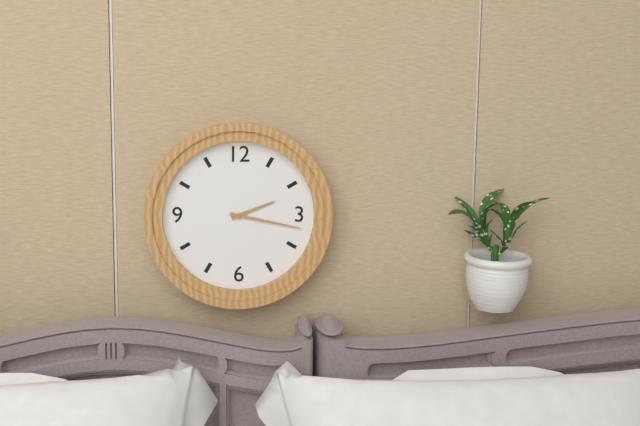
2:17
